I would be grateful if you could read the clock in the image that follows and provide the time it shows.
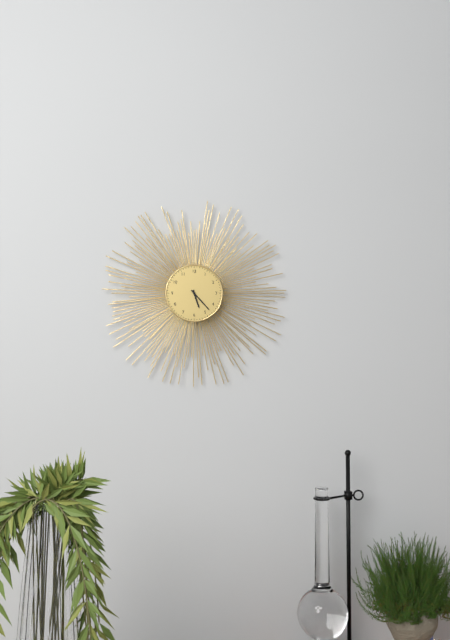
5:23
